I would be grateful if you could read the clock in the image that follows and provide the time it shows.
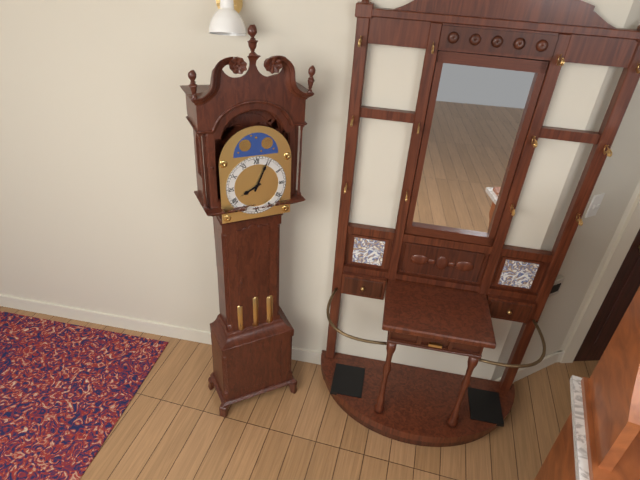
8:04
